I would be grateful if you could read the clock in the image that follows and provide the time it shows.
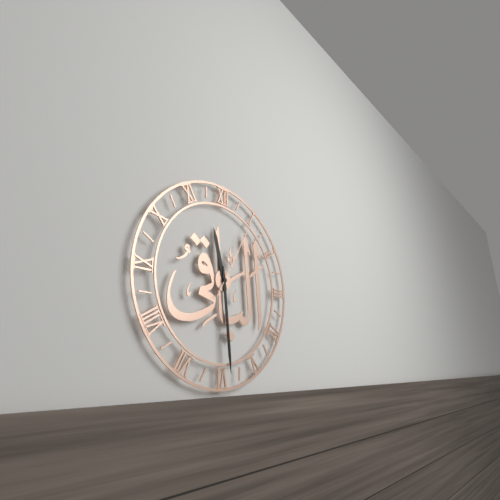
11:29:05
